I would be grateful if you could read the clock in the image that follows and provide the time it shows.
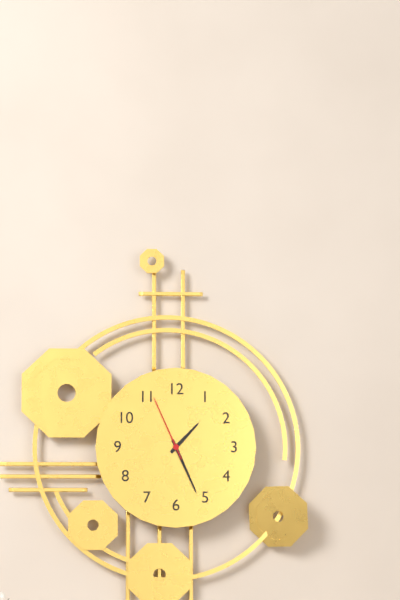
1:26:56
